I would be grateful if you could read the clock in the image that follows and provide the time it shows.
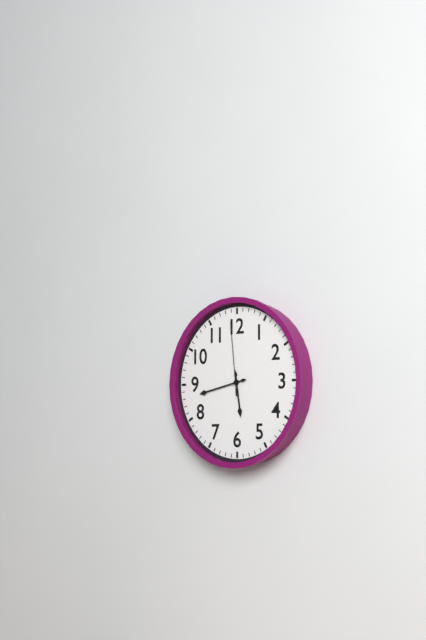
5:43:59
